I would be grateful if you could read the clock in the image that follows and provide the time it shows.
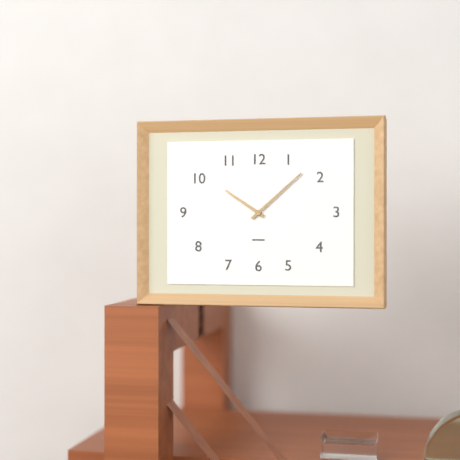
10:08
